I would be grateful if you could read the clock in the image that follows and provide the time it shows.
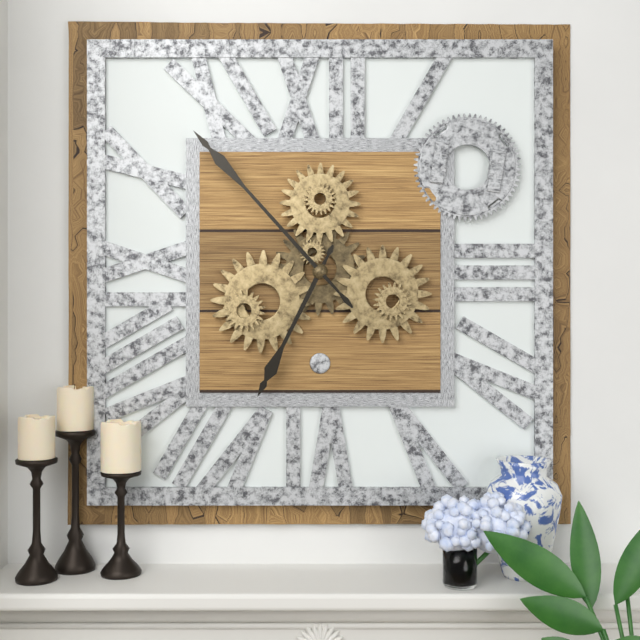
6:53
